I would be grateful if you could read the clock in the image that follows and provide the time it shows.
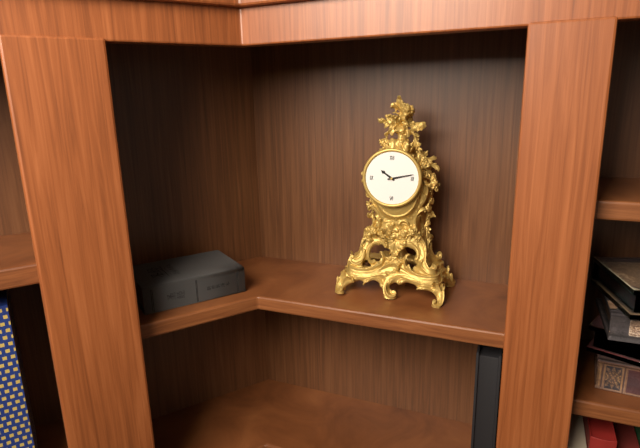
10:13
